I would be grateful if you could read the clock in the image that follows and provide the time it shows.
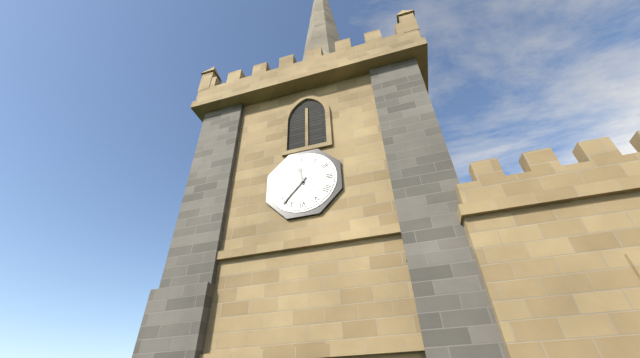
11:37
